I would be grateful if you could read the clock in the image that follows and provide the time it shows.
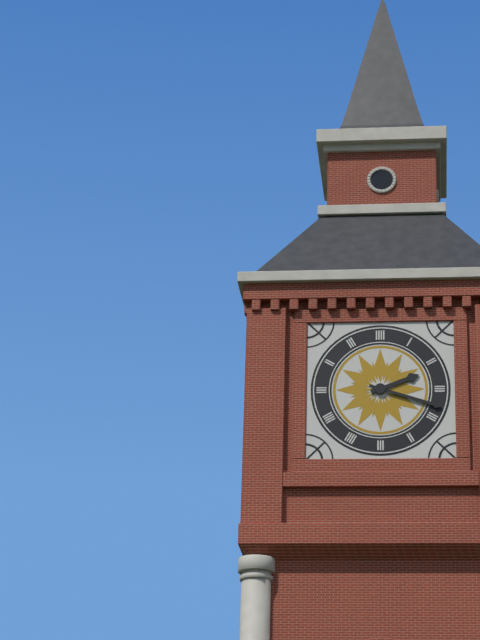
2:18
